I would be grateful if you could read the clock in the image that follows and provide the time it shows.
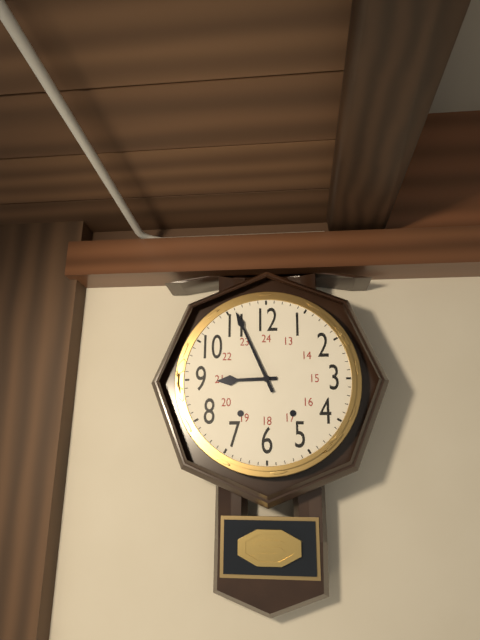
8:56
